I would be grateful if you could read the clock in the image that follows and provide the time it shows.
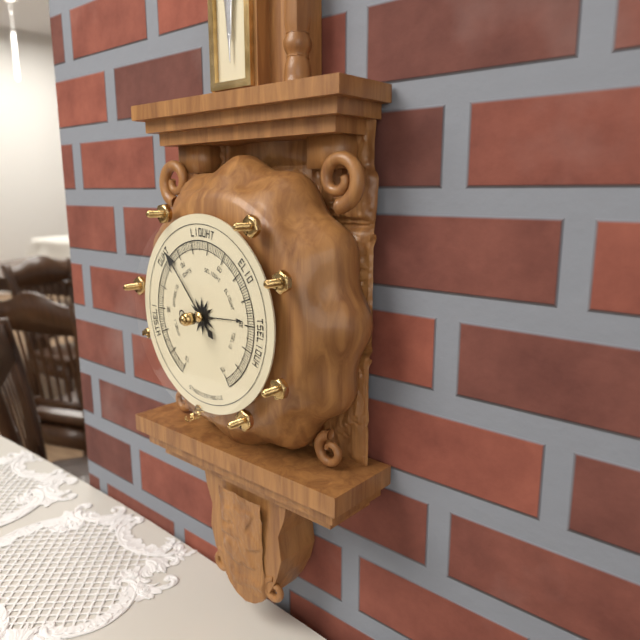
2:53
